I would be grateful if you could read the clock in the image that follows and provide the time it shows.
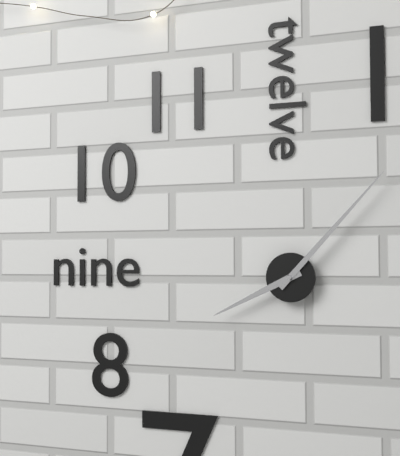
8:07
